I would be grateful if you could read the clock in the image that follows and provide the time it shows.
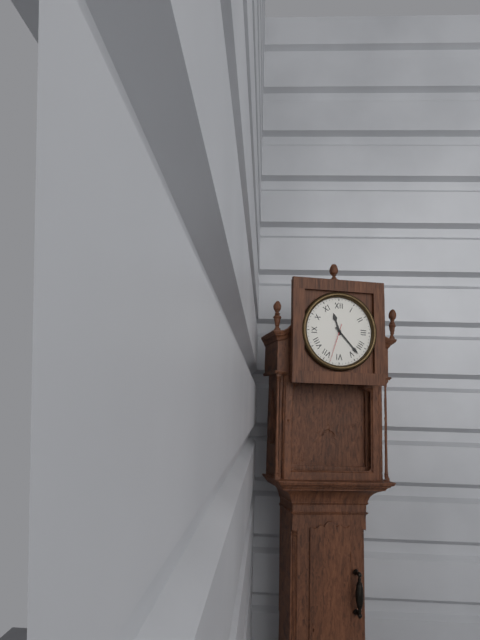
11:23
